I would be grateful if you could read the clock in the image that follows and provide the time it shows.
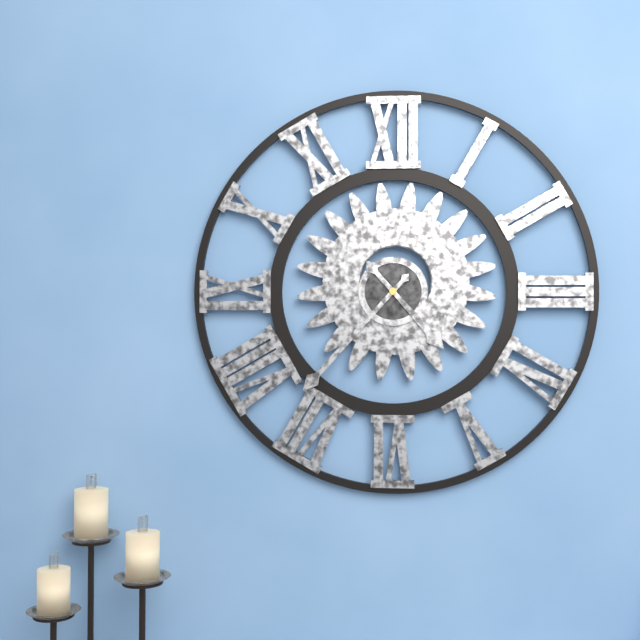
4:37
